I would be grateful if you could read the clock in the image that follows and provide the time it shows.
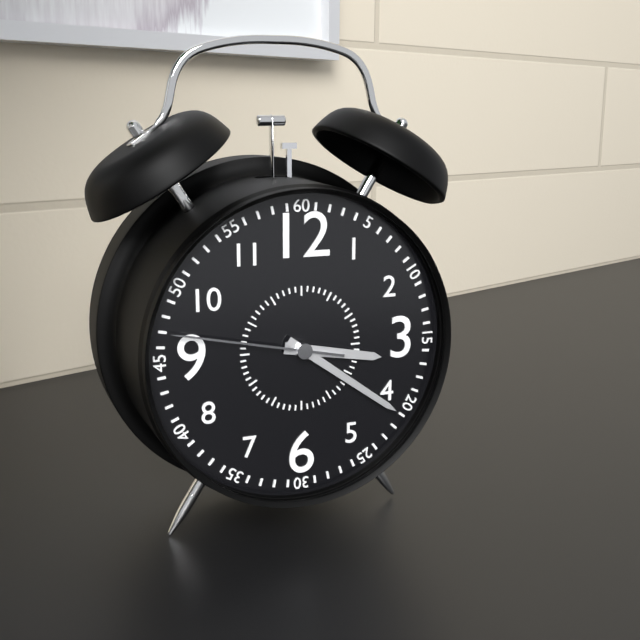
3:21:47
